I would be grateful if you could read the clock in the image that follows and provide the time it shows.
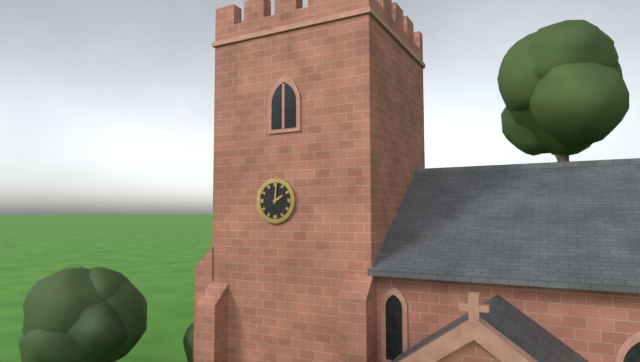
2:01
